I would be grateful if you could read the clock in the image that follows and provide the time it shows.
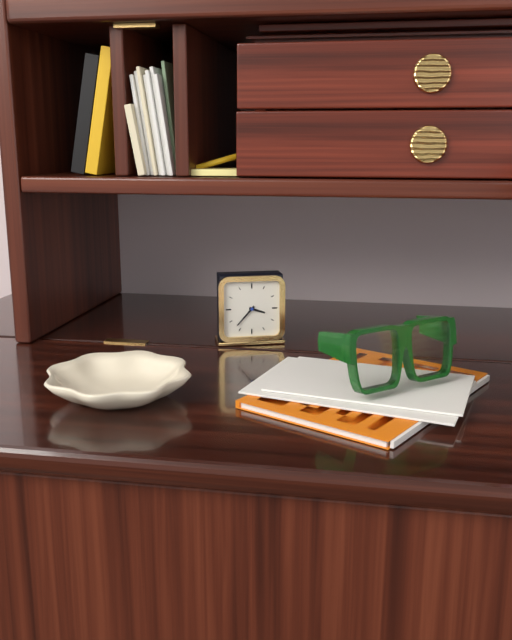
3:37
